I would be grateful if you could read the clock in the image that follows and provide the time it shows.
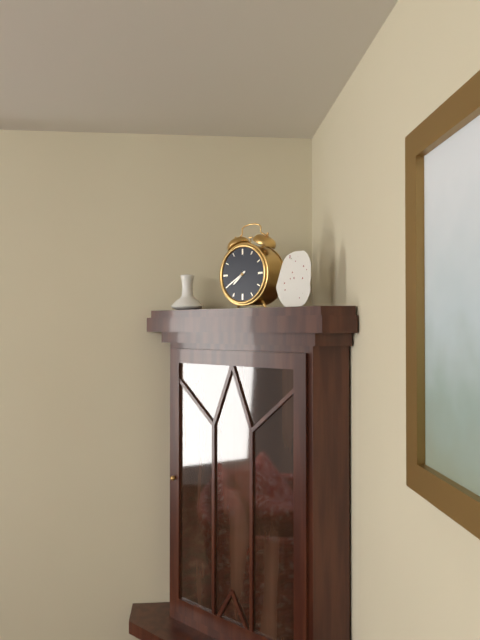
7:40
